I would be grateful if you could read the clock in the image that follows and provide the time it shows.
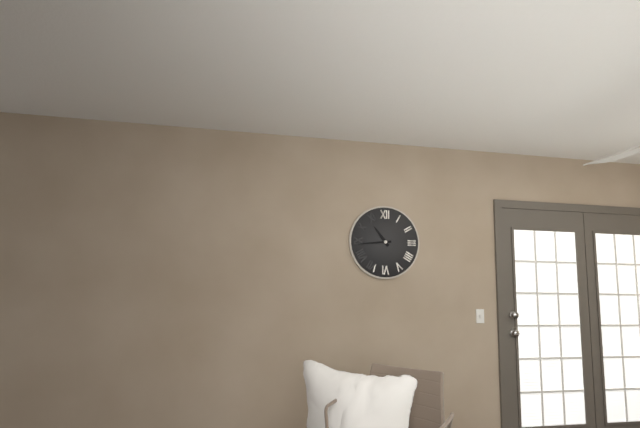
10:44
